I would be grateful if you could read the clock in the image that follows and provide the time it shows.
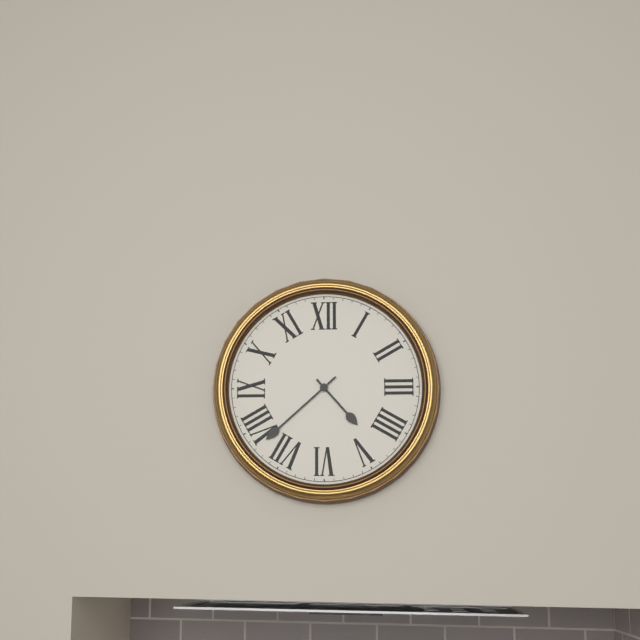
4:38
